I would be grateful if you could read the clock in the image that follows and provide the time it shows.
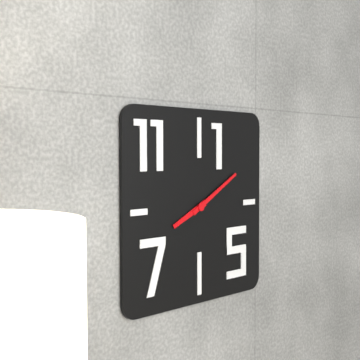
8:10
